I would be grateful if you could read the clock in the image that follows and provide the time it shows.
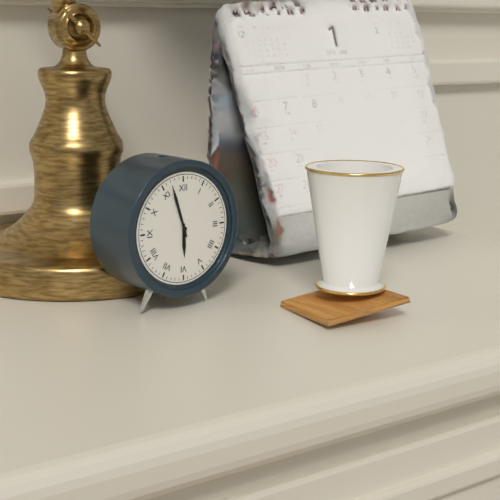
5:57
